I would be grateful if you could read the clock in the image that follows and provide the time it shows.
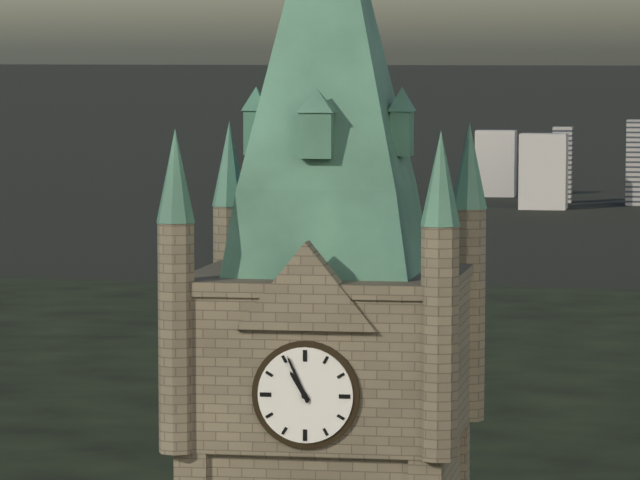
10:56
